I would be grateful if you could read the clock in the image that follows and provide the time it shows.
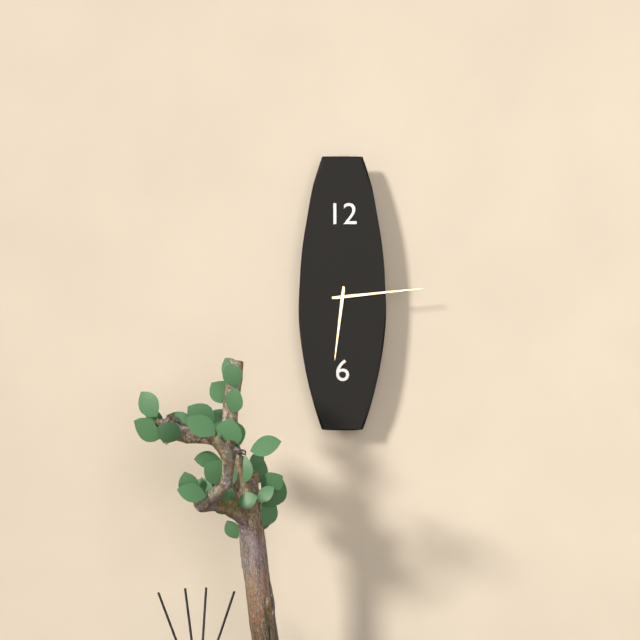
6:14
